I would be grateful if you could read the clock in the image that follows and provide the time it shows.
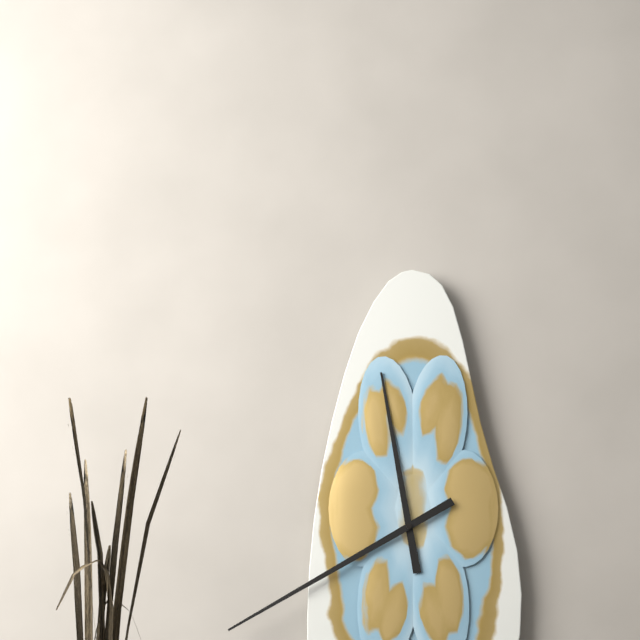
11:40
